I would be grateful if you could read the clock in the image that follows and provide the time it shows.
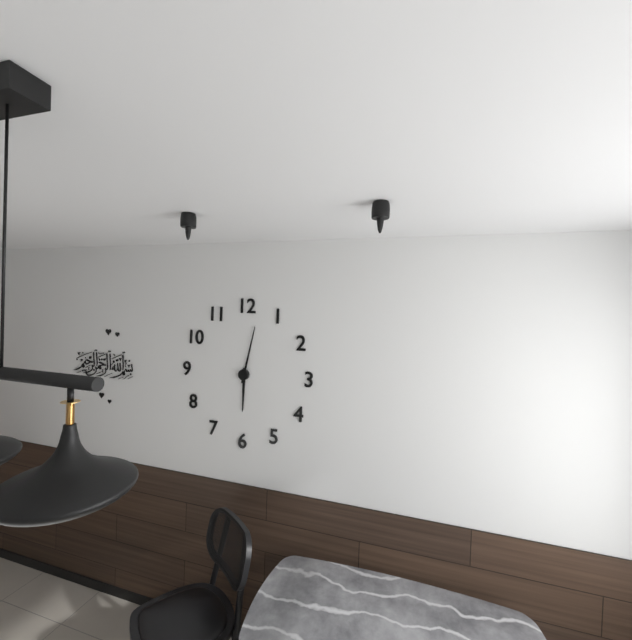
6:02
